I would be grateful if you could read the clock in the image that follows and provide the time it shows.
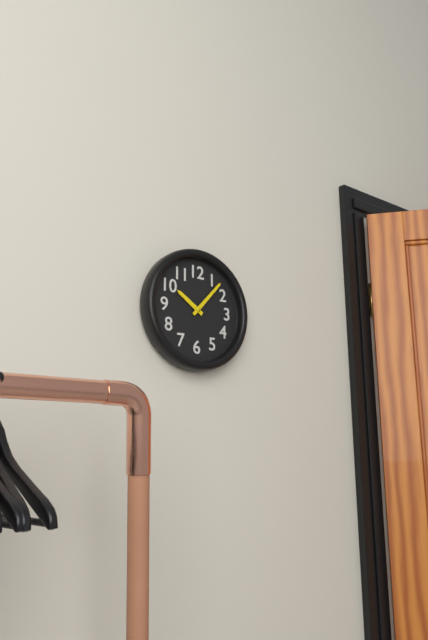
10:07
